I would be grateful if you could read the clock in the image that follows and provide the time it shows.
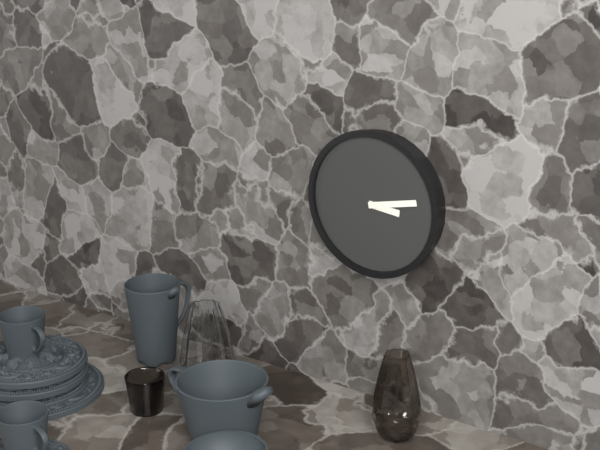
3:13
